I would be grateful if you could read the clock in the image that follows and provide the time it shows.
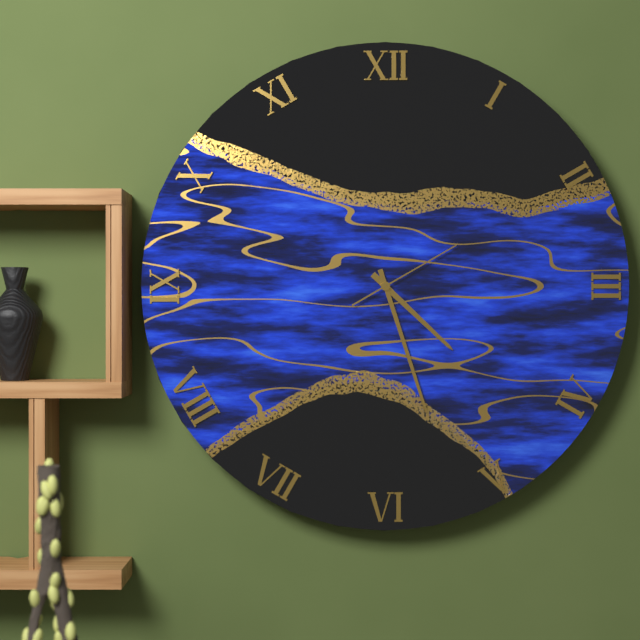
4:27:10
